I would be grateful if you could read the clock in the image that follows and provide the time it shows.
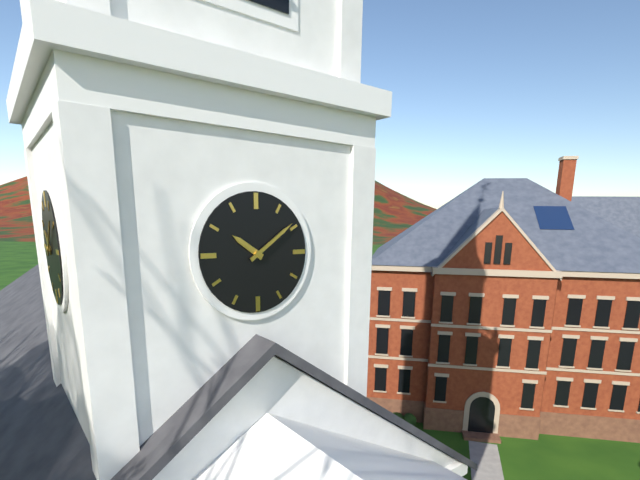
10:09
